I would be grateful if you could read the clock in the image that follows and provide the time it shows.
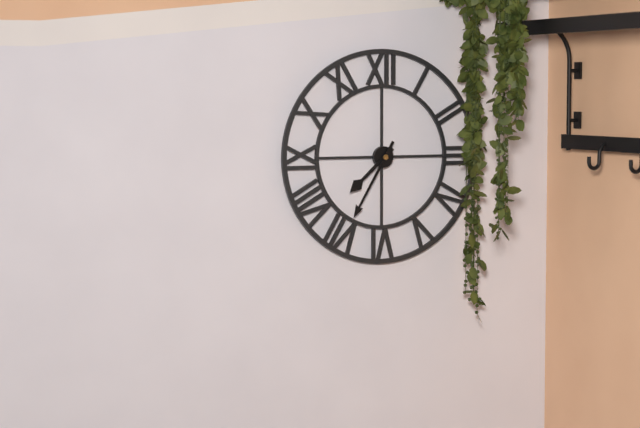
7:35
